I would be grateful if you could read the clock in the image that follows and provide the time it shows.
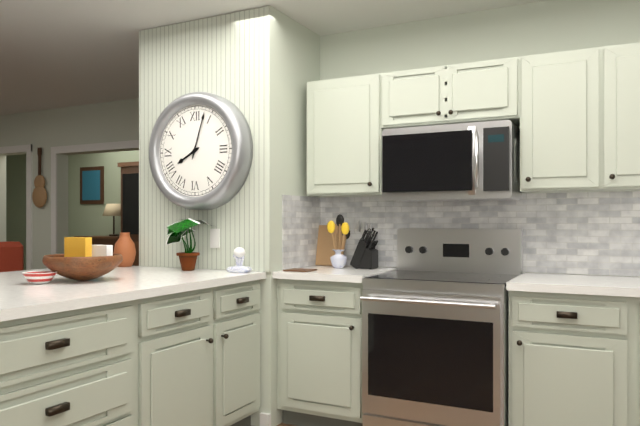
8:03
